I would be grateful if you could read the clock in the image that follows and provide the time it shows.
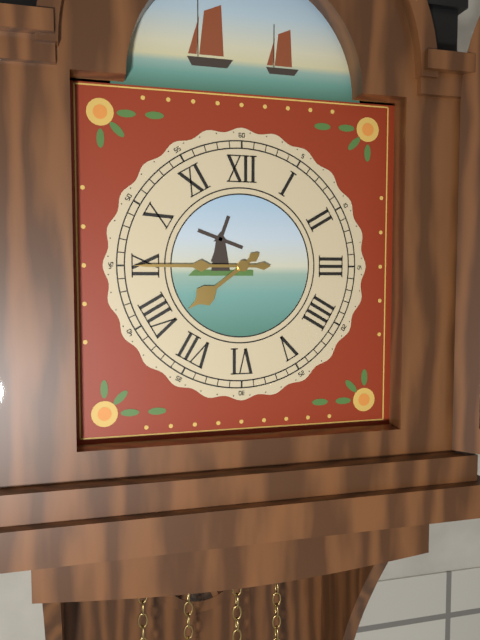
7:45
